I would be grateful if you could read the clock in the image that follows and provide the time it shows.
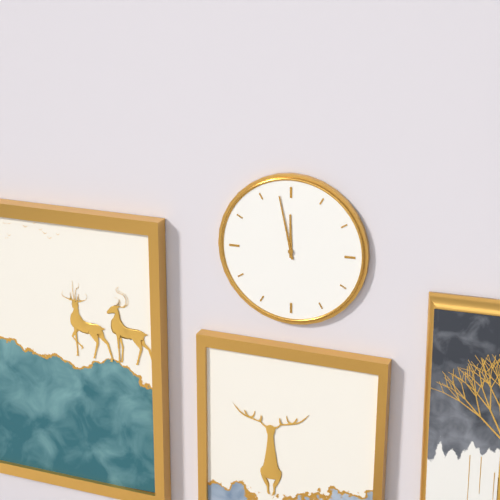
11:58
